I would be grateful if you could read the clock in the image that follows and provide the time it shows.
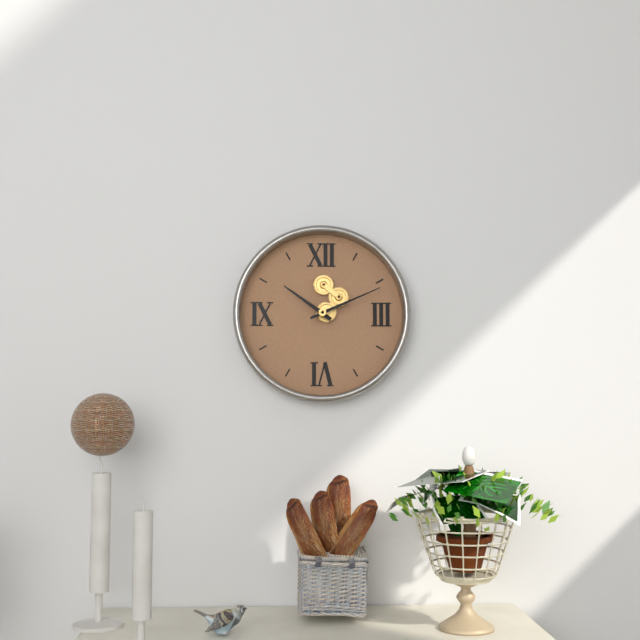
10:11
